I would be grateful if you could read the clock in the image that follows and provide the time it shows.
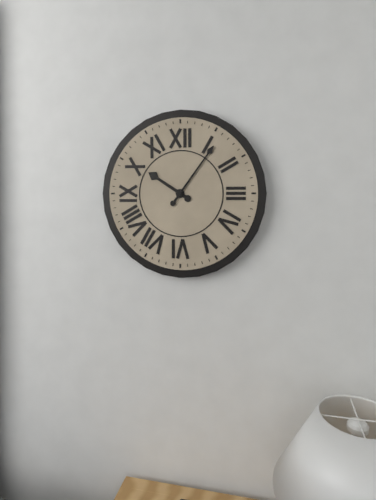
10:06
